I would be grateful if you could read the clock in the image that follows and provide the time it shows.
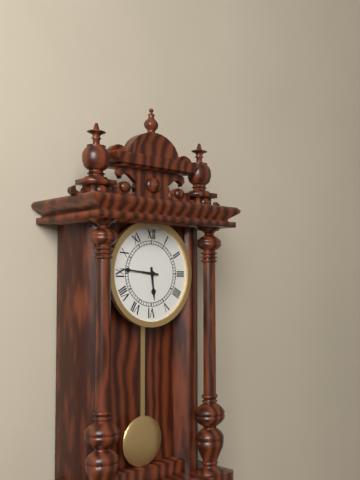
5:46
